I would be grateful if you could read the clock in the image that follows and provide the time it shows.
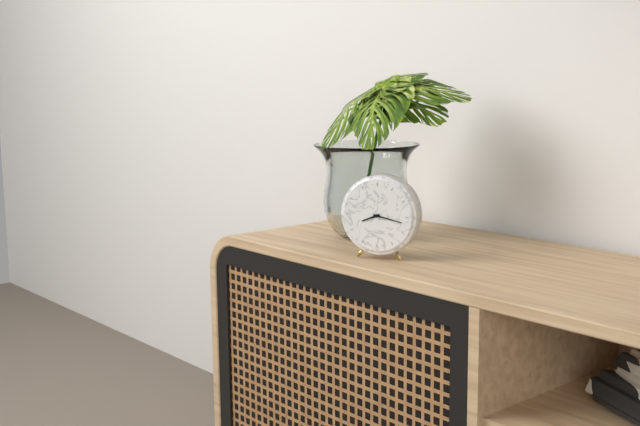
8:17
